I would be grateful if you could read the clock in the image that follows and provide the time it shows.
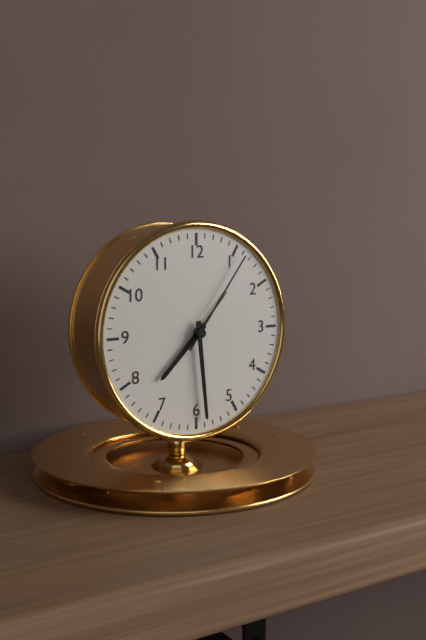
7:29:06
